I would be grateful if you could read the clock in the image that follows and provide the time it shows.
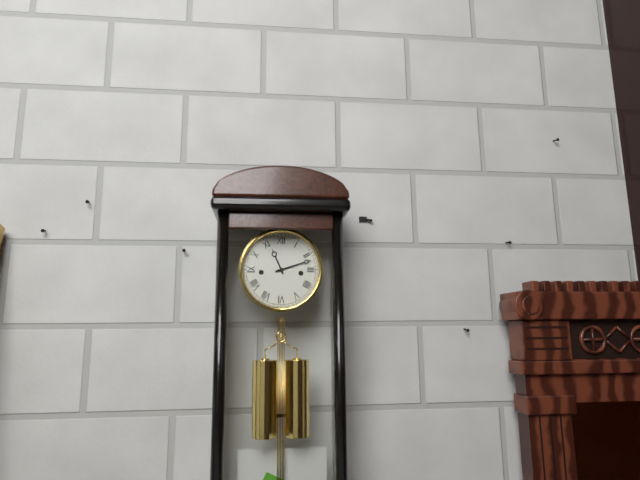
11:12
